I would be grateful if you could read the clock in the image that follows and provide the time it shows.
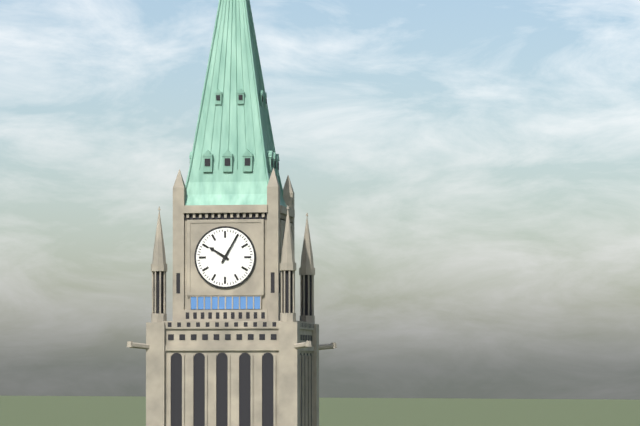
10:05
